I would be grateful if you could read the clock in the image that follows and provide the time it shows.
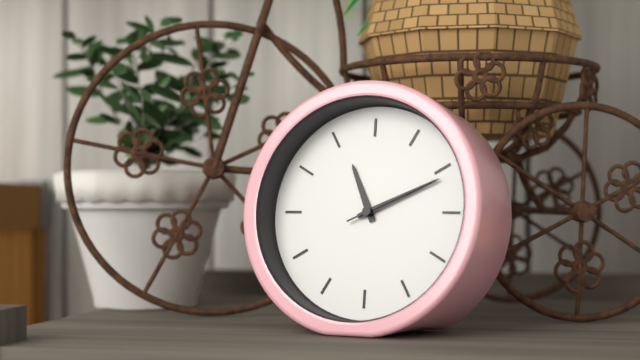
11:11:11
